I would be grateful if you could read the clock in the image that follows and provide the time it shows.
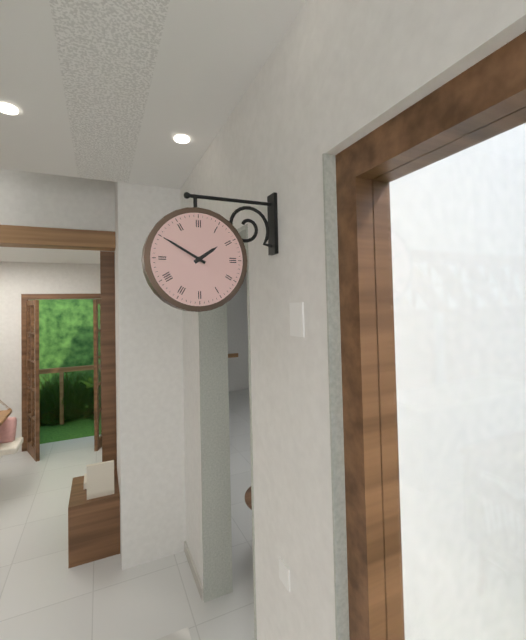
1:50
